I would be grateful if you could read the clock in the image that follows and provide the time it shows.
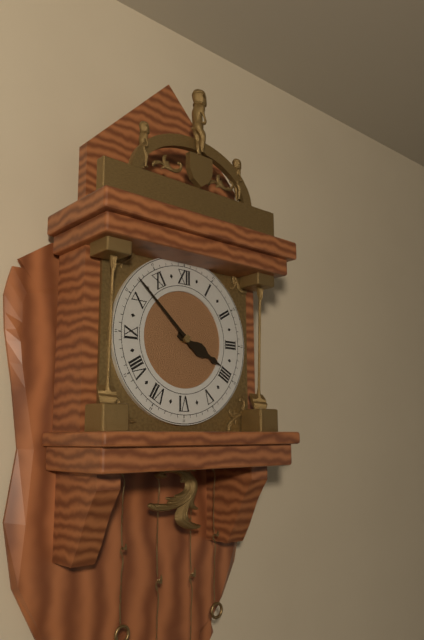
3:52
